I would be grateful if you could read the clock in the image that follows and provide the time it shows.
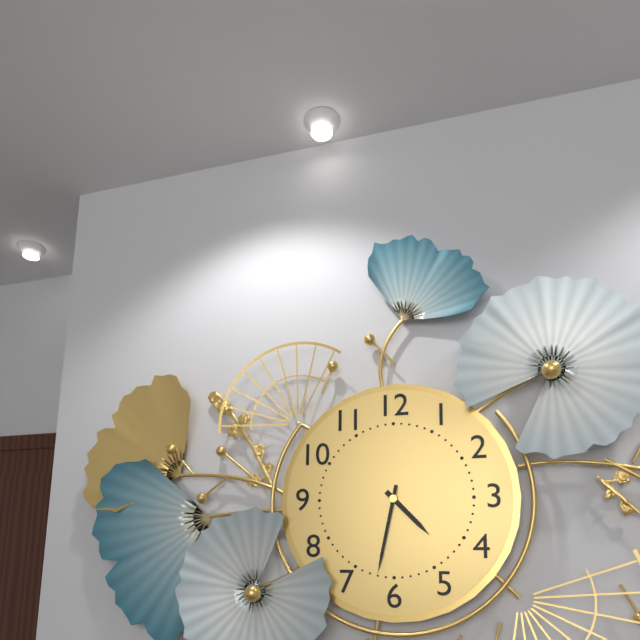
4:32
